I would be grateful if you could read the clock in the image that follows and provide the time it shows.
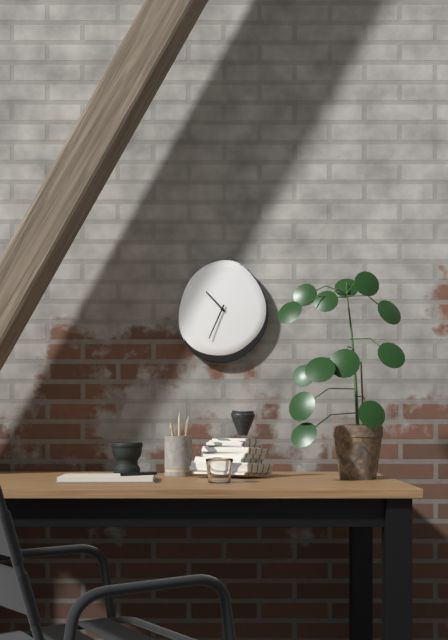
10:34
